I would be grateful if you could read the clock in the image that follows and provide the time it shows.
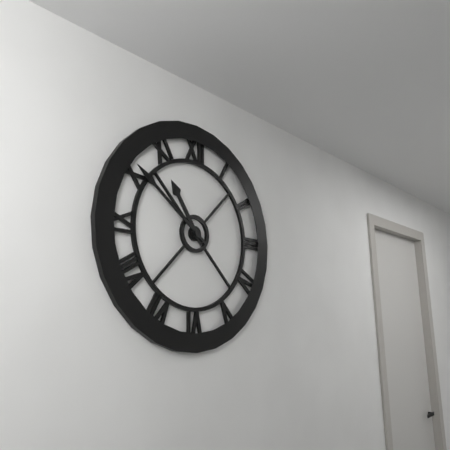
10:51
